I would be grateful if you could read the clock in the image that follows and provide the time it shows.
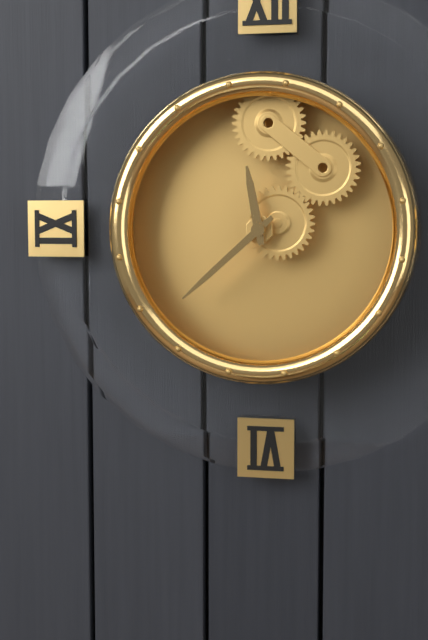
11:38
